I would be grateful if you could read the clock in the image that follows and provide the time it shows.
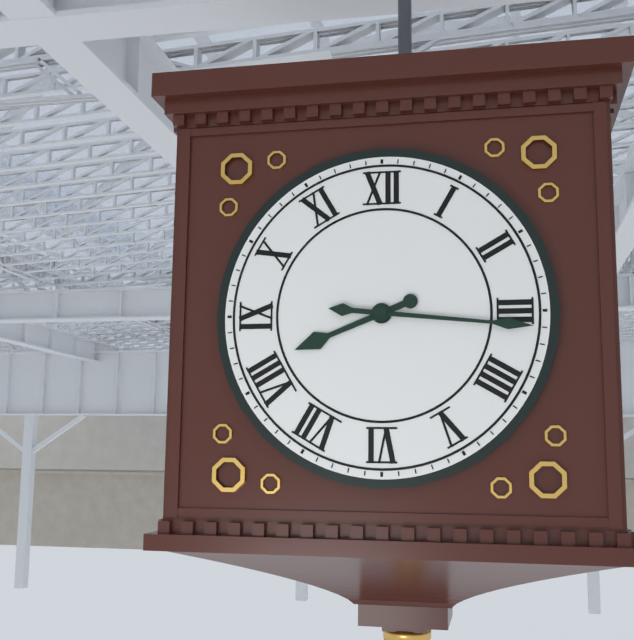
8:16
